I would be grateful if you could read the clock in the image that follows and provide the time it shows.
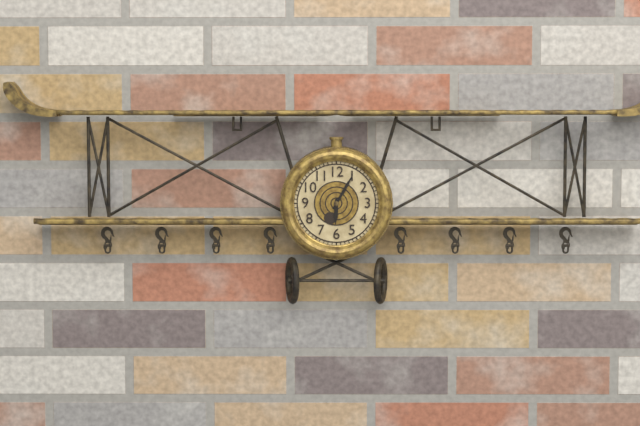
6:05
